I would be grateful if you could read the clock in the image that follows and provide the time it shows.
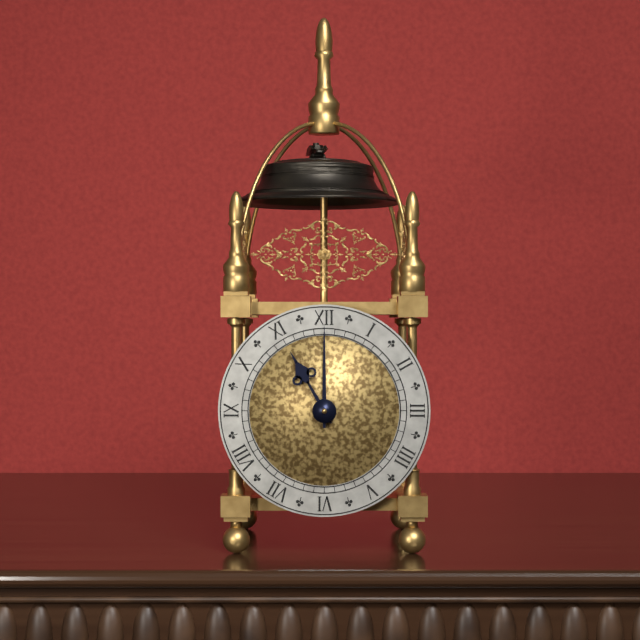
11:00
